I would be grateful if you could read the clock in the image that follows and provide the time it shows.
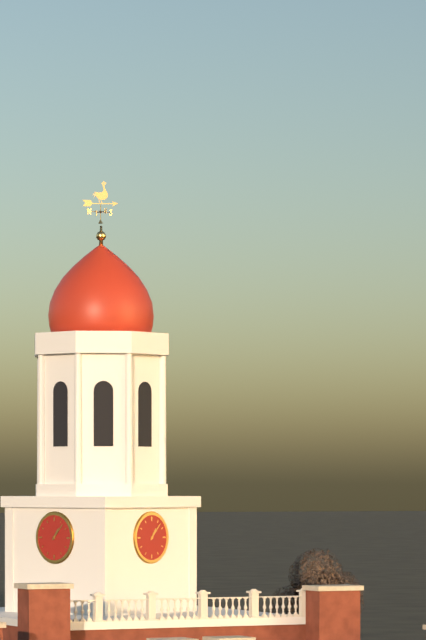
1:07
